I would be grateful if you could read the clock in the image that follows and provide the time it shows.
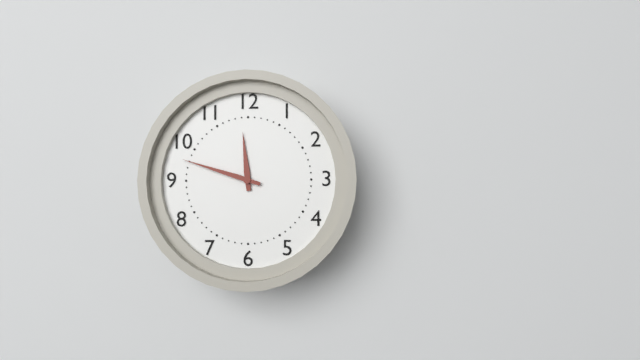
11:48
